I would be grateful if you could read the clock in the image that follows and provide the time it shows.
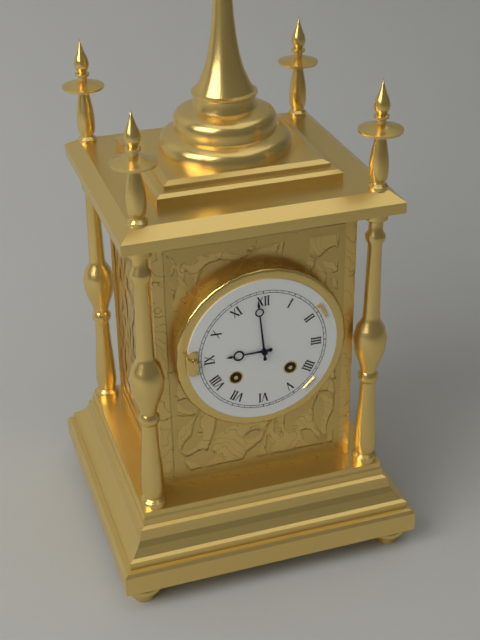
8:59
